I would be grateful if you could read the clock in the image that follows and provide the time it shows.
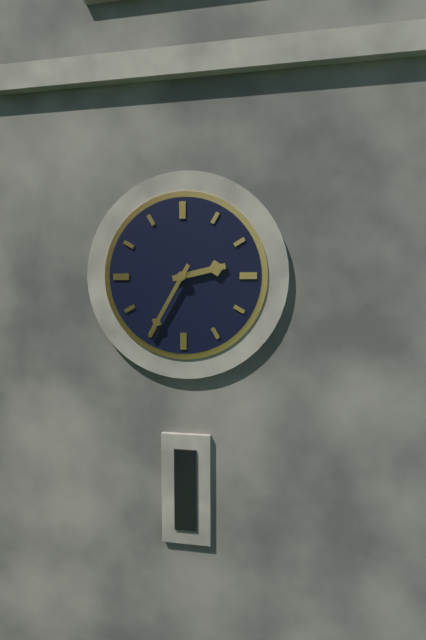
2:35
